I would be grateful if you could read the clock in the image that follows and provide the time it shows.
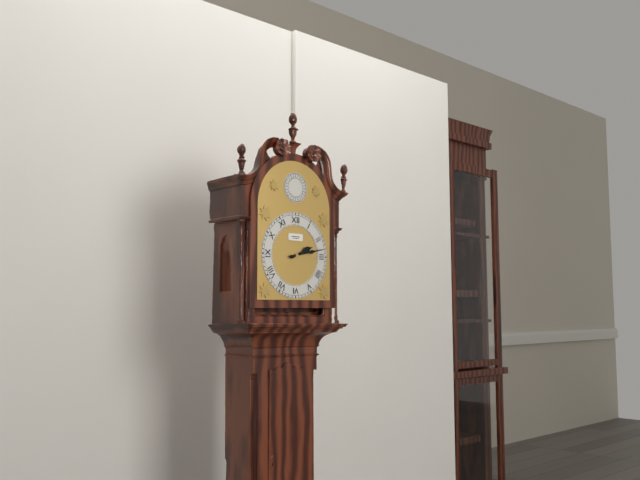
2:13
